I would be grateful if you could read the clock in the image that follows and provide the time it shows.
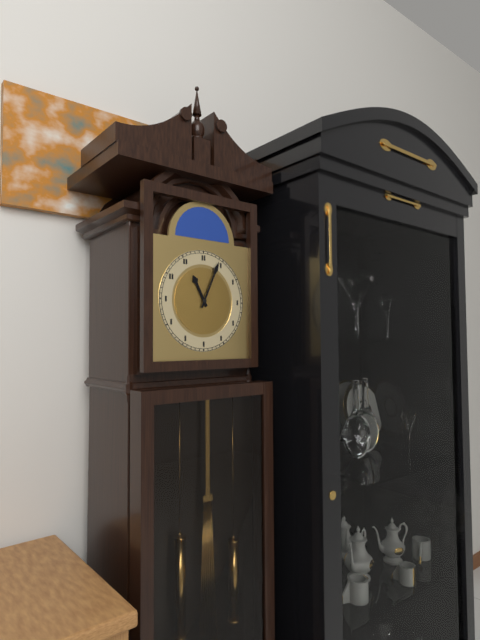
11:04
